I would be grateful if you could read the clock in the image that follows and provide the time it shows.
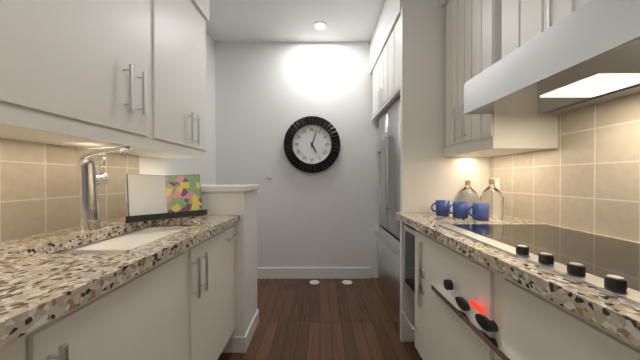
5:03
